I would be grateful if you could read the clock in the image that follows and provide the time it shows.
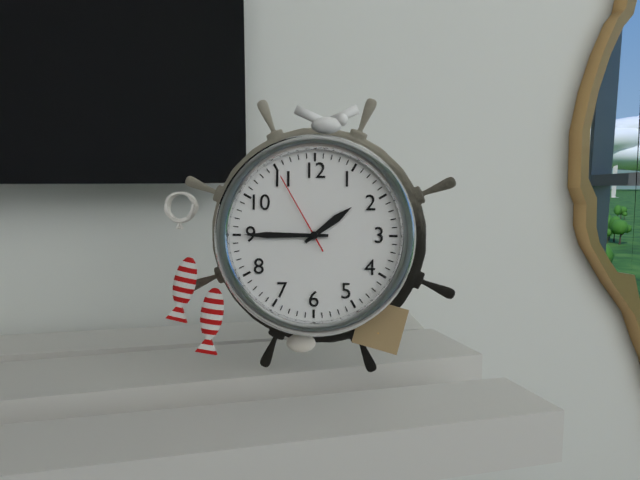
1:45:55
